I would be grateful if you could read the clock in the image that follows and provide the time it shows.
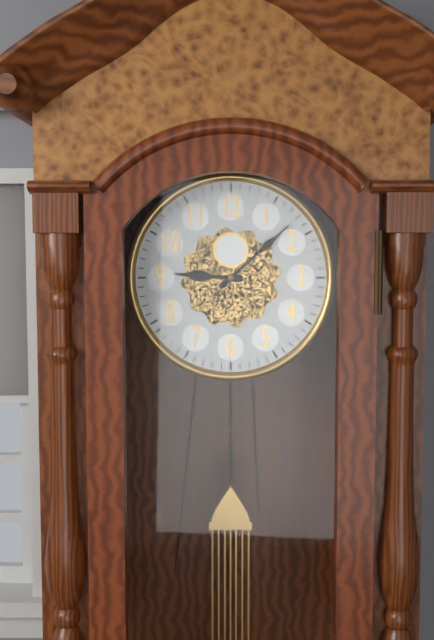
9:08
